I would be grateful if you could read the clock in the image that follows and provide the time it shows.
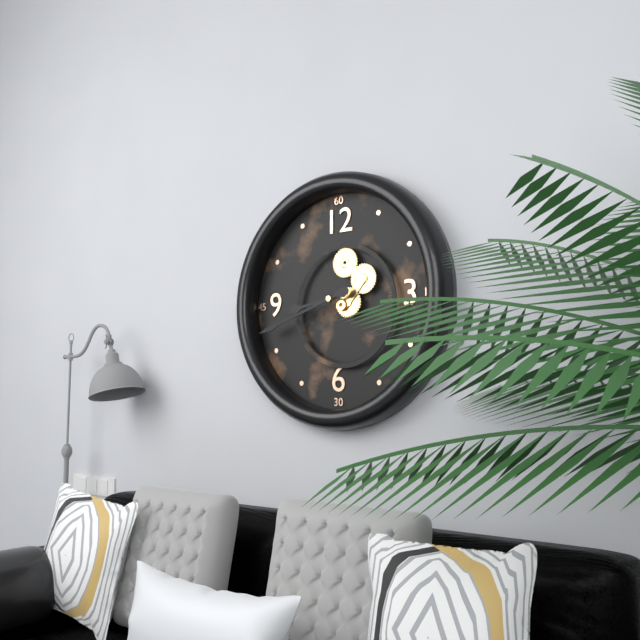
8:42
